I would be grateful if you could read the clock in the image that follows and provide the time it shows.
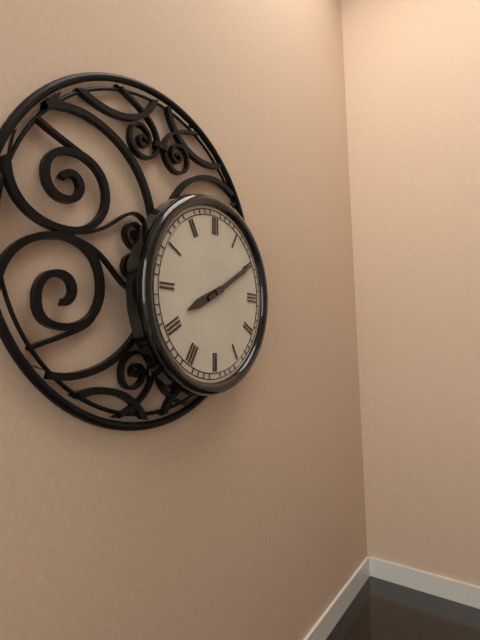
8:10
